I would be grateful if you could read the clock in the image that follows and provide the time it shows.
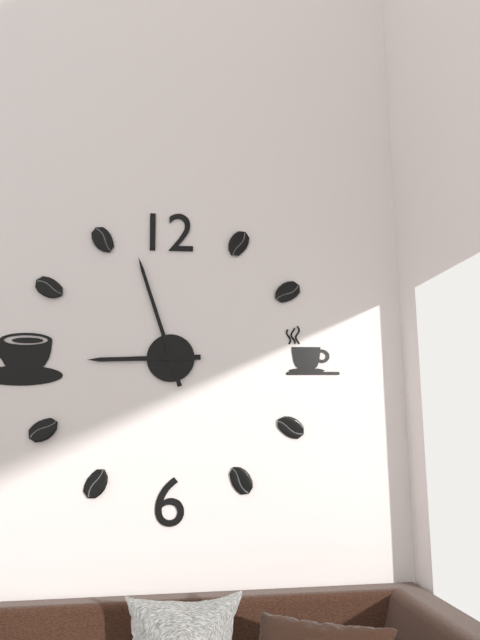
8:57
